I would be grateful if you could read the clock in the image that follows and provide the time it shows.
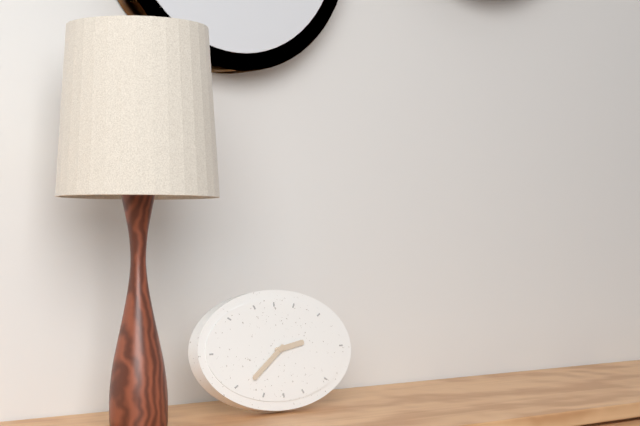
2:39
